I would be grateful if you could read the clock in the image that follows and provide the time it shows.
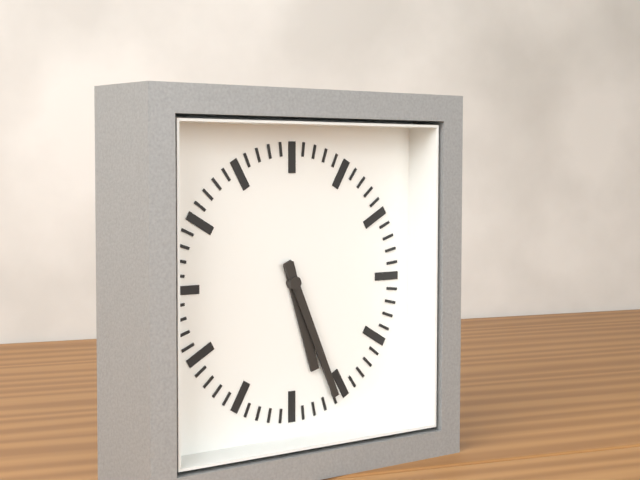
5:26
